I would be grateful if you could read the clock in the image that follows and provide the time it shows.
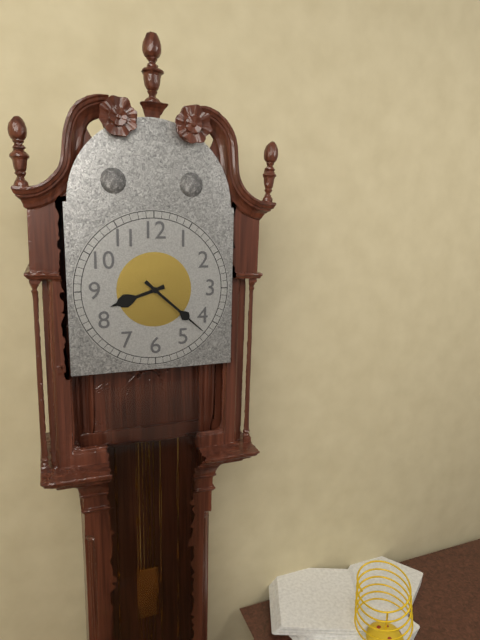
8:22
